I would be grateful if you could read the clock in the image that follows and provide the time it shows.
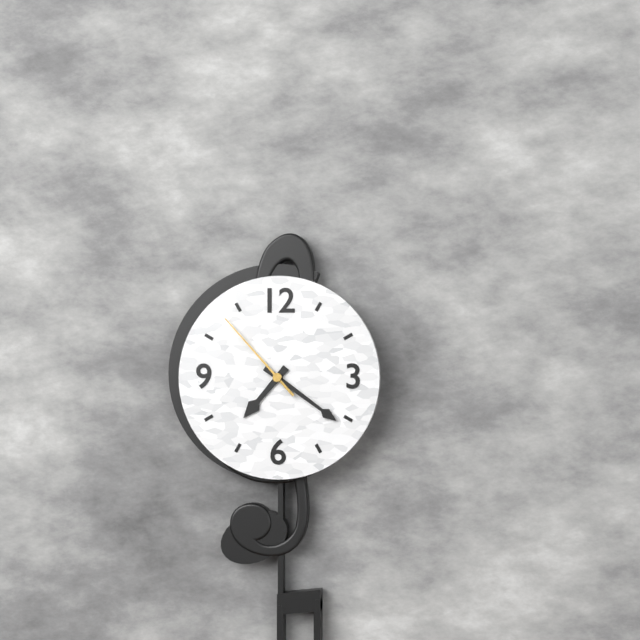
7:21:53
